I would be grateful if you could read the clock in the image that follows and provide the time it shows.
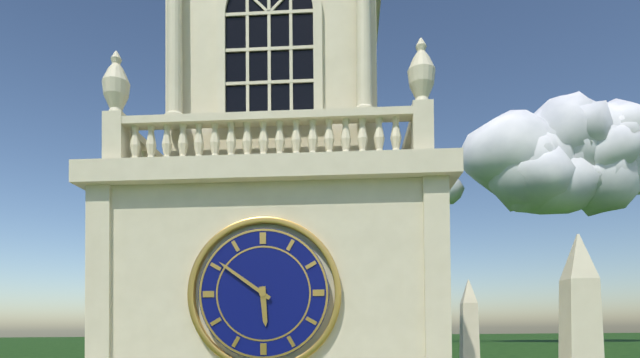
5:51
